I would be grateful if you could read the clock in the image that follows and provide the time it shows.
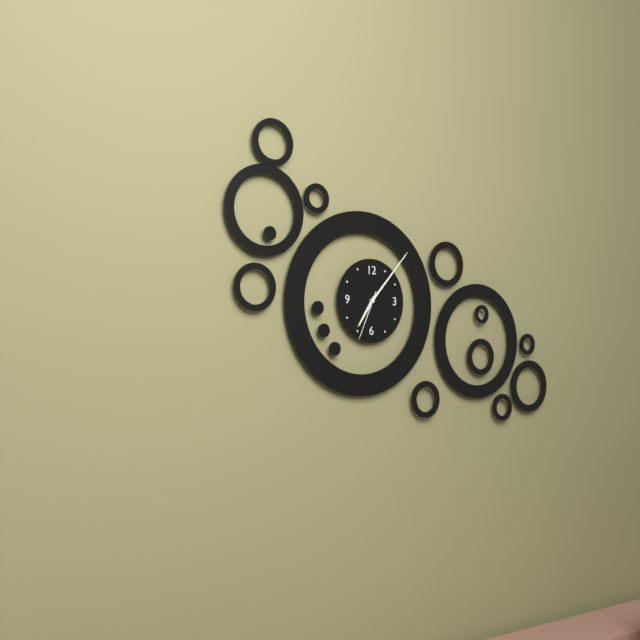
7:07:34
